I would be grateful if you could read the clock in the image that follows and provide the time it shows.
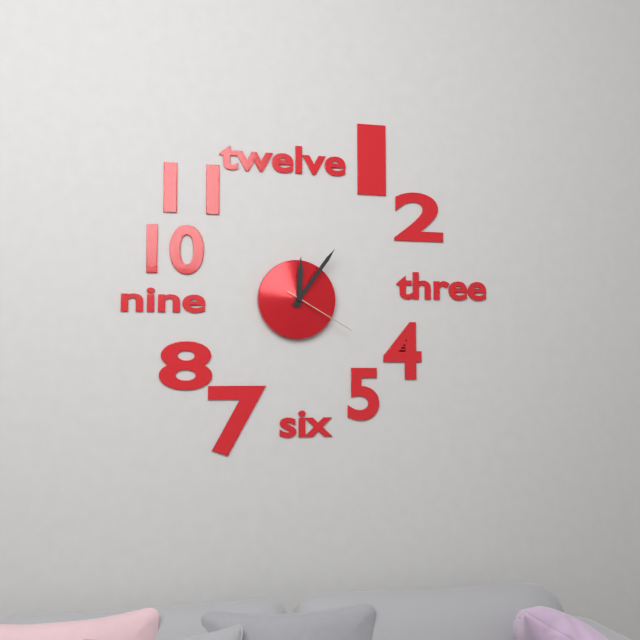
12:06:20
